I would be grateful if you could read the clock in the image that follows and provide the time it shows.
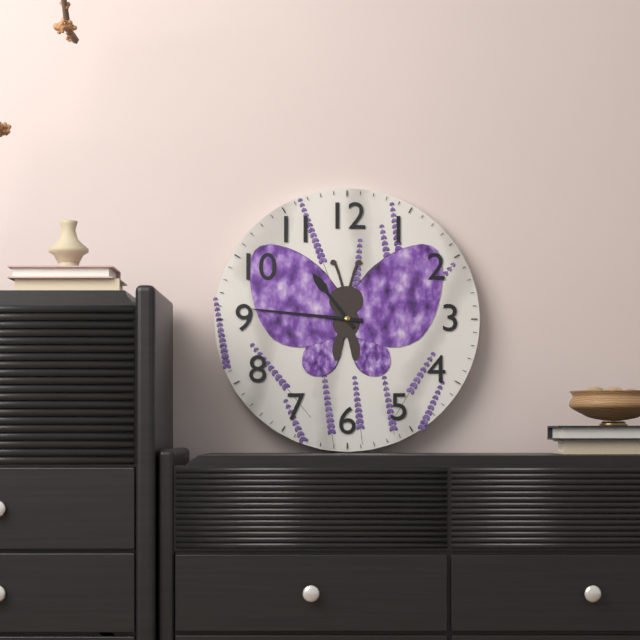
10:46
